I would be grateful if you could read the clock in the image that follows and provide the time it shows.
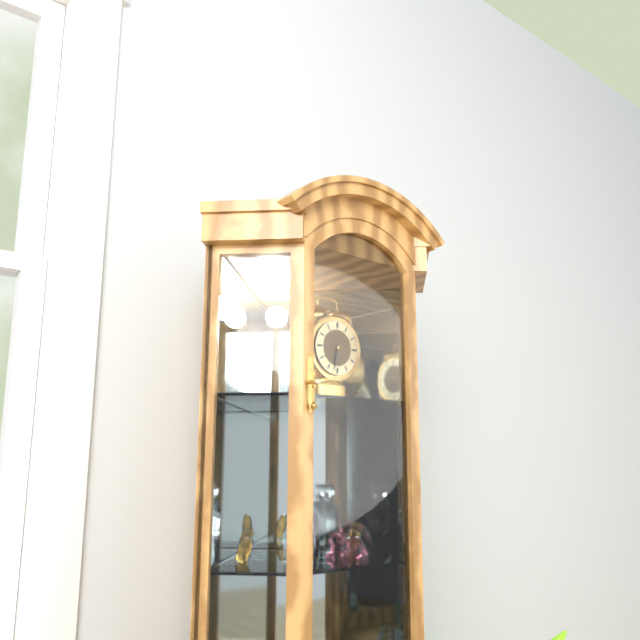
6:32
